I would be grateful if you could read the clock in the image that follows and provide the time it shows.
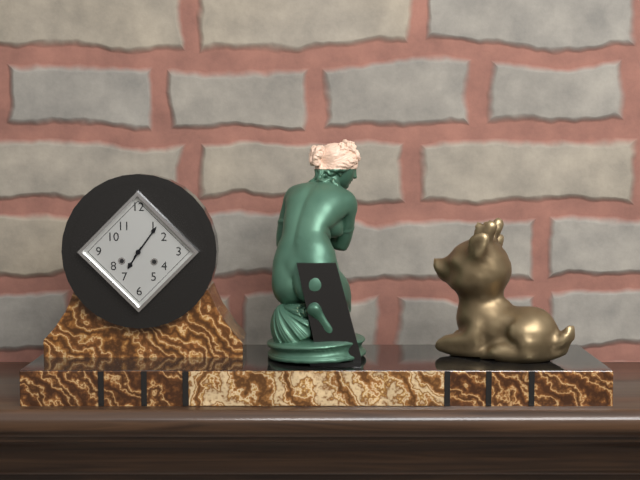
7:06
